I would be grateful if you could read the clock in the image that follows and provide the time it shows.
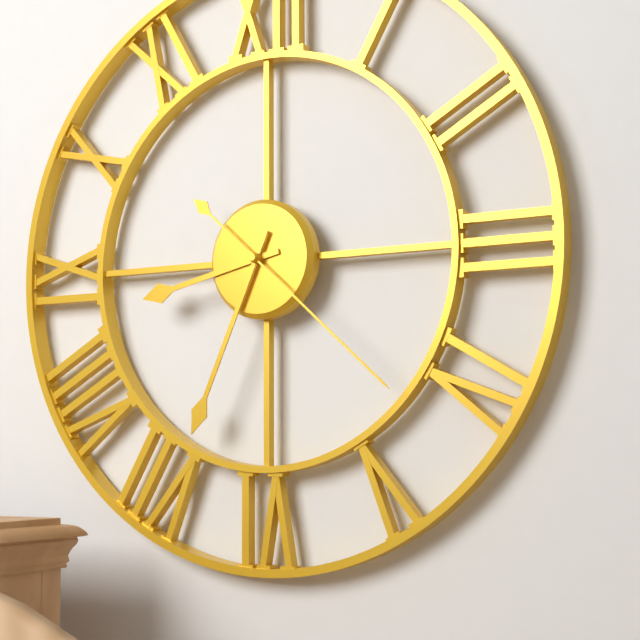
8:34:22
